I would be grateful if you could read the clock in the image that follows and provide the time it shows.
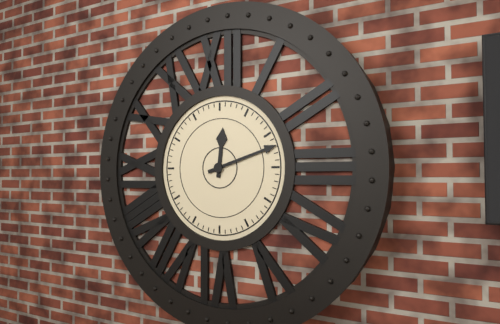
12:12
